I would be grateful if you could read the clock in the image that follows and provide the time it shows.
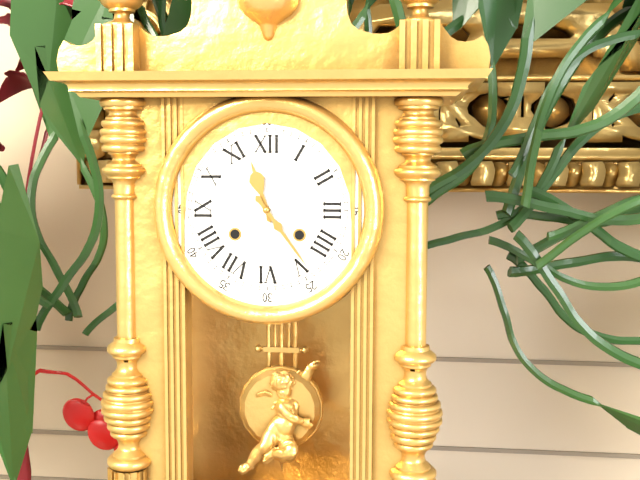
11:24
